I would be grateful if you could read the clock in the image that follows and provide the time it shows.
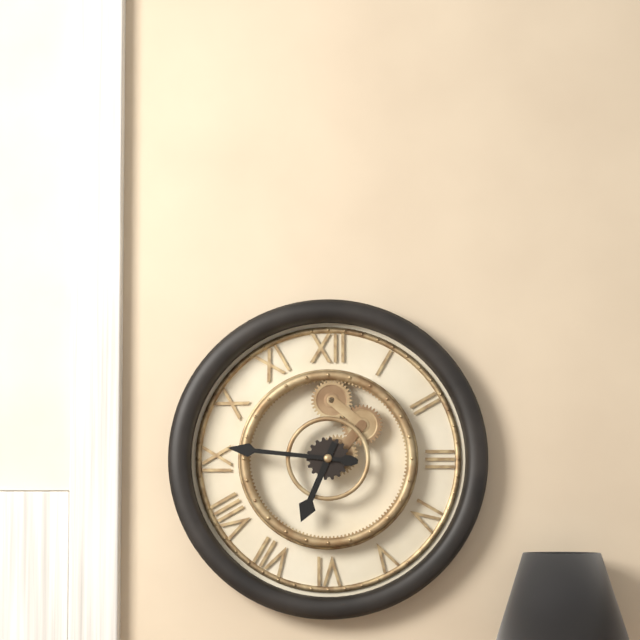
6:46
